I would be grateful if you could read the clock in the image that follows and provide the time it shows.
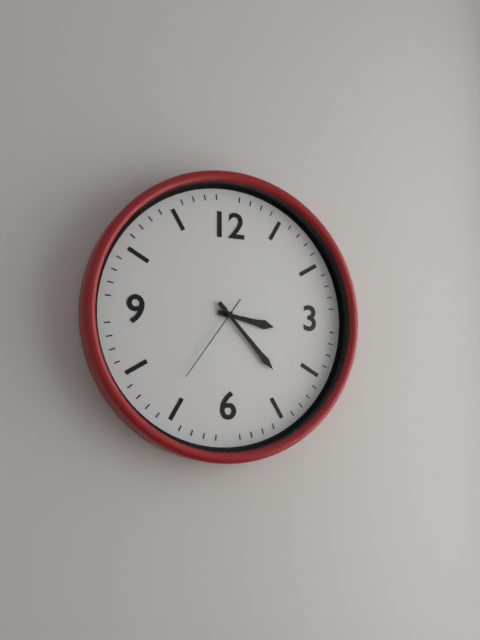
3:23:36
